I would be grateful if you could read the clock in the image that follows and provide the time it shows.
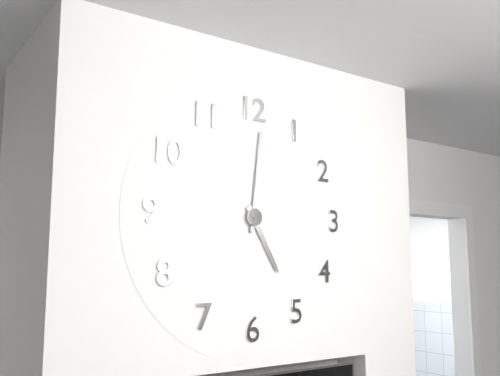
5:01
